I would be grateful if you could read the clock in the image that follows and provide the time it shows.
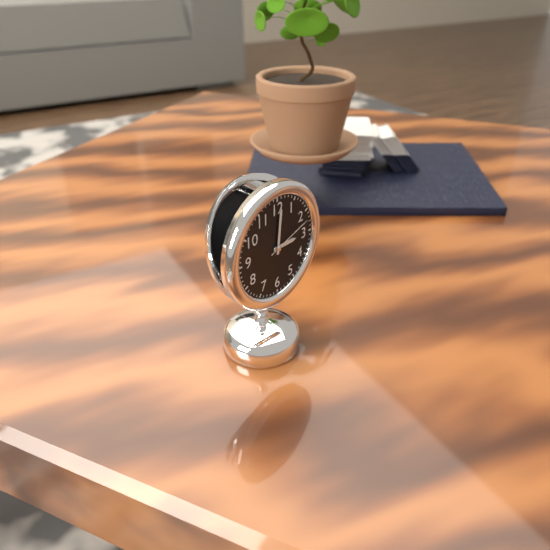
3:01:12
